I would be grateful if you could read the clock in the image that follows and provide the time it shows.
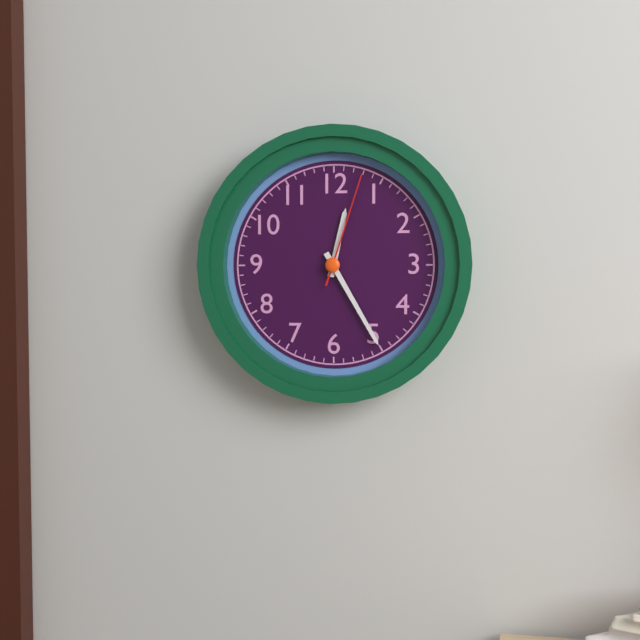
12:25:03
